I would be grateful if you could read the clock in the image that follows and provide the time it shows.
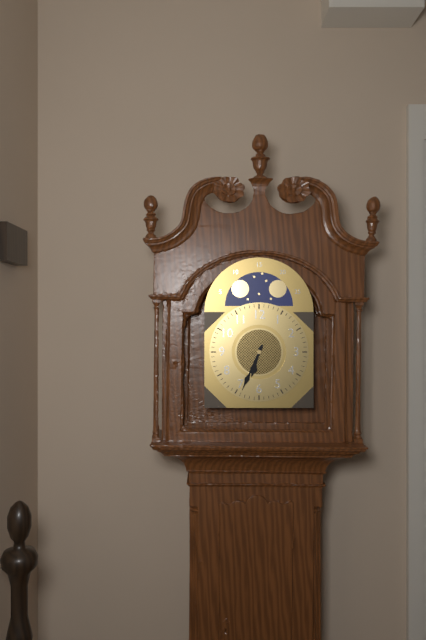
6:34
